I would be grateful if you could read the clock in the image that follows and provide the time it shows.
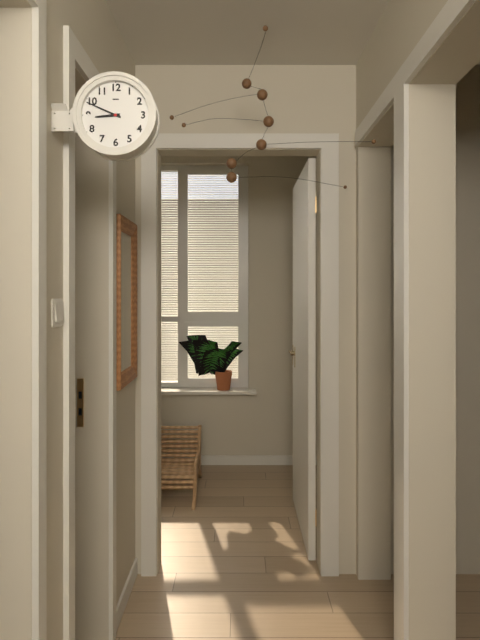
8:49
